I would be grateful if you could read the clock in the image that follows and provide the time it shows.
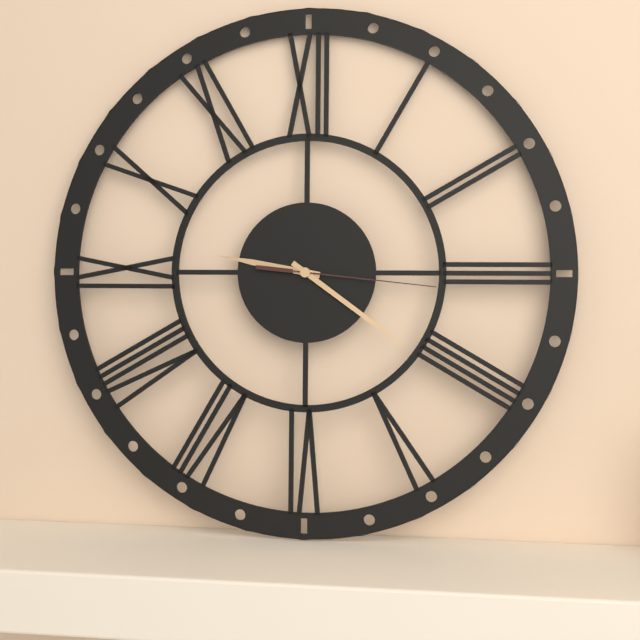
9:21:16
